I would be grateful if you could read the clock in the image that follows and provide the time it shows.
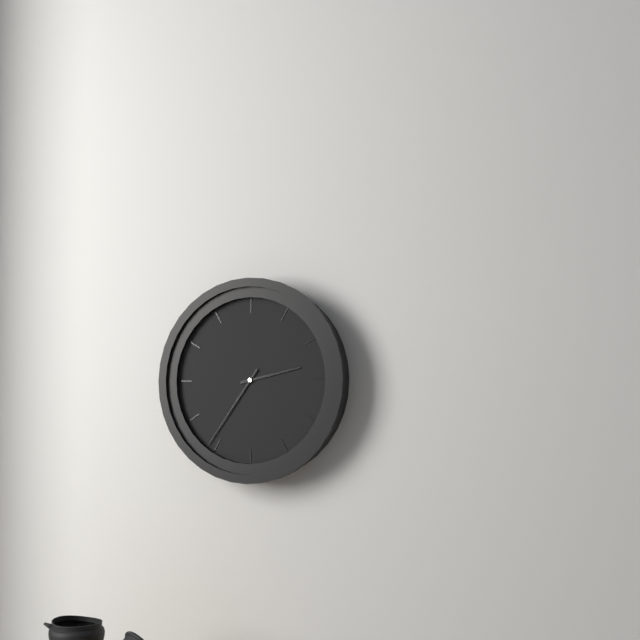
2:36
